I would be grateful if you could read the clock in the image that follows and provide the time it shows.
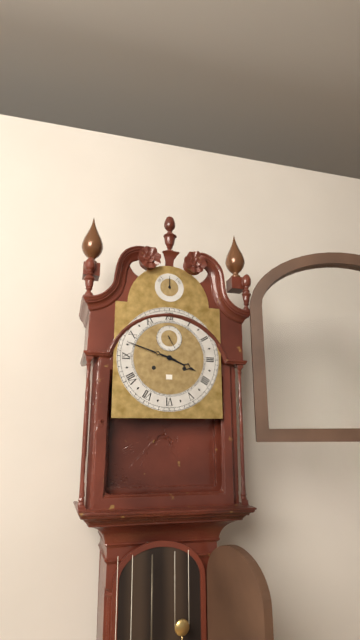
3:48
